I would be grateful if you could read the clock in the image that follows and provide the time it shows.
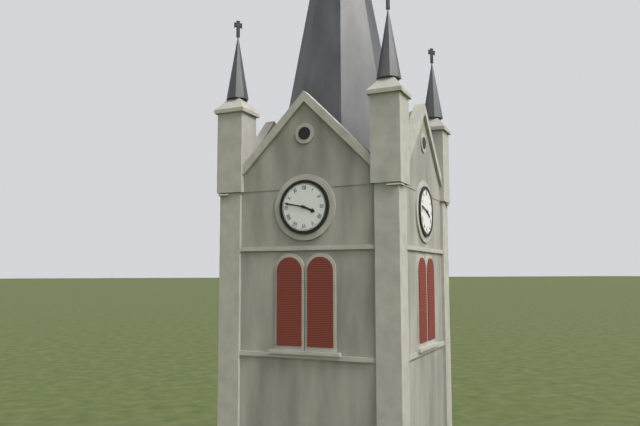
3:47
